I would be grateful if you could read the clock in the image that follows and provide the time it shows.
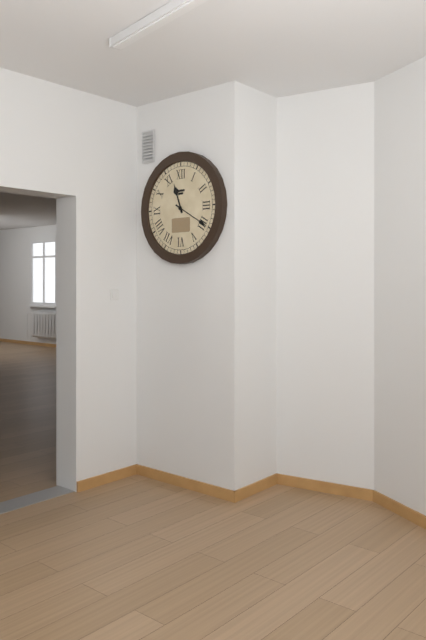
11:20
